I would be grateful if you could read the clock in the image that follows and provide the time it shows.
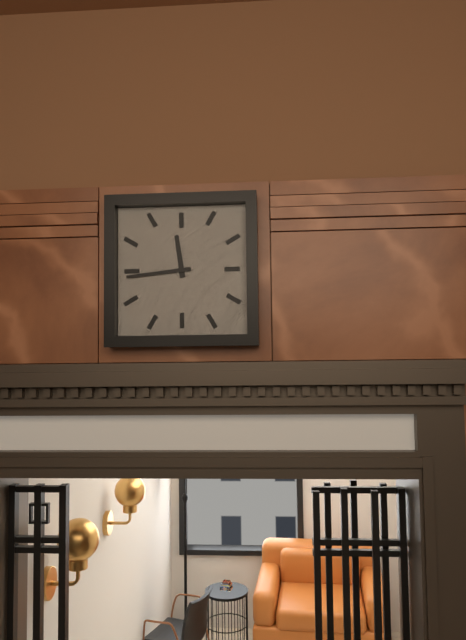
11:44
